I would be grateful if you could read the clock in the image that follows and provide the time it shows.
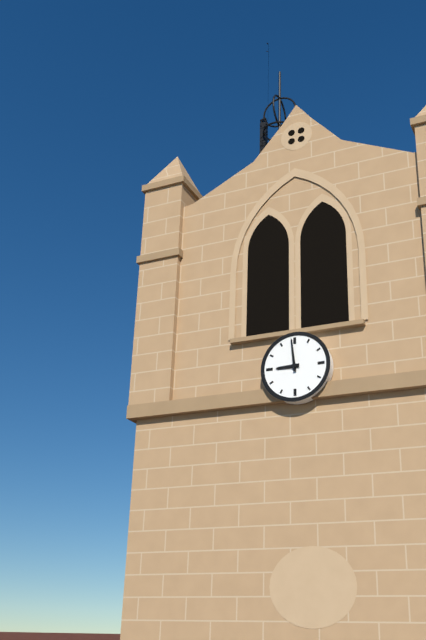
8:59
